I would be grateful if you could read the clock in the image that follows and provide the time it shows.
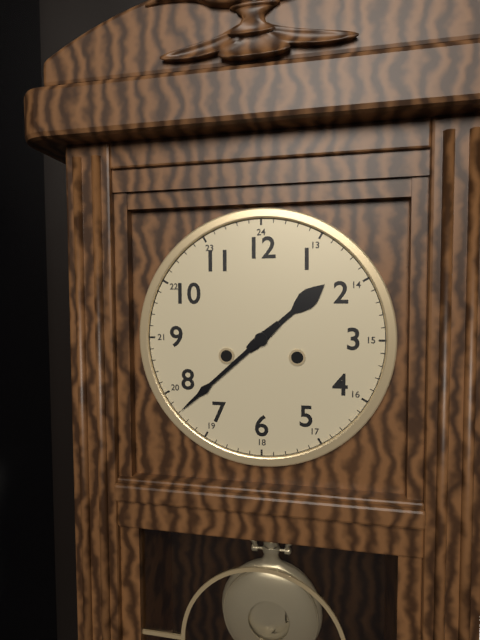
1:38
